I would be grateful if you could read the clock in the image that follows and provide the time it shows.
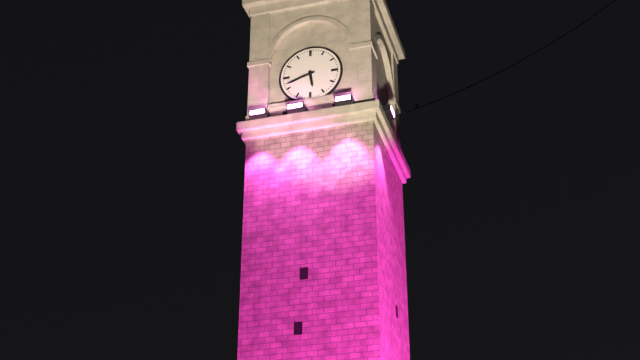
5:42
